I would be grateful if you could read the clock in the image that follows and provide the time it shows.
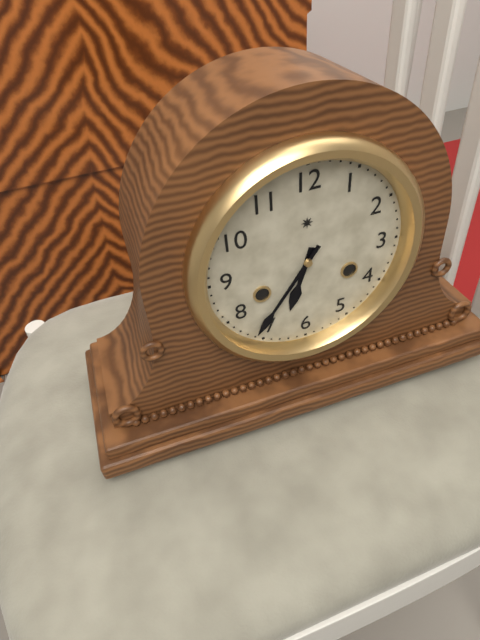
6:36
